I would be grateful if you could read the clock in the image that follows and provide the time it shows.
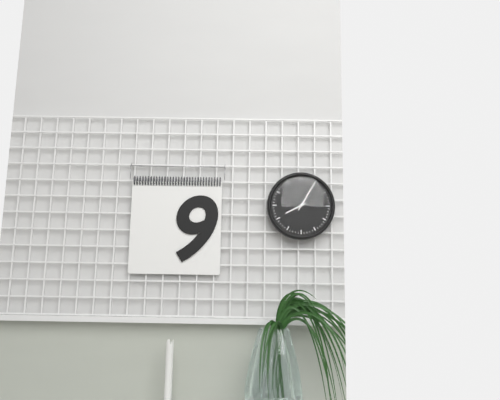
8:05
